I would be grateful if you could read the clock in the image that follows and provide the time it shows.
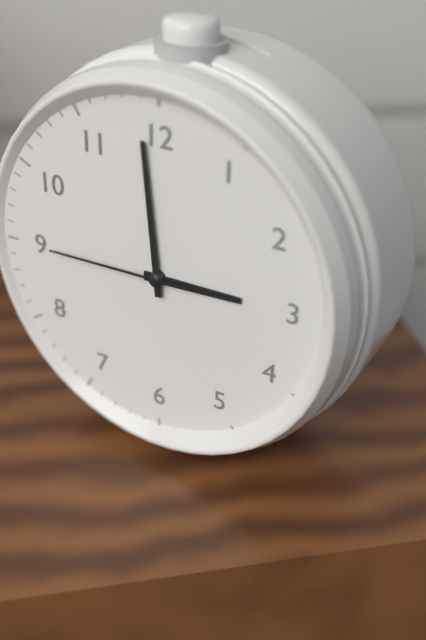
2:59:45
